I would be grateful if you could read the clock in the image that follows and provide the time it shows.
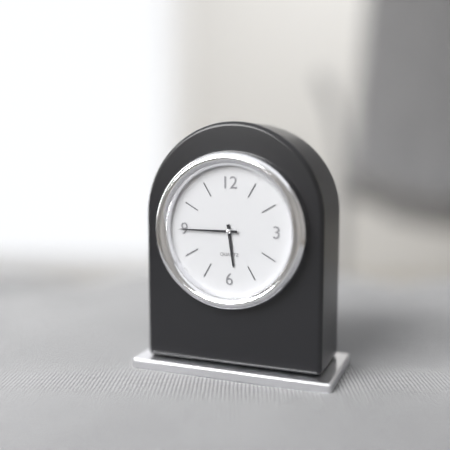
5:45
